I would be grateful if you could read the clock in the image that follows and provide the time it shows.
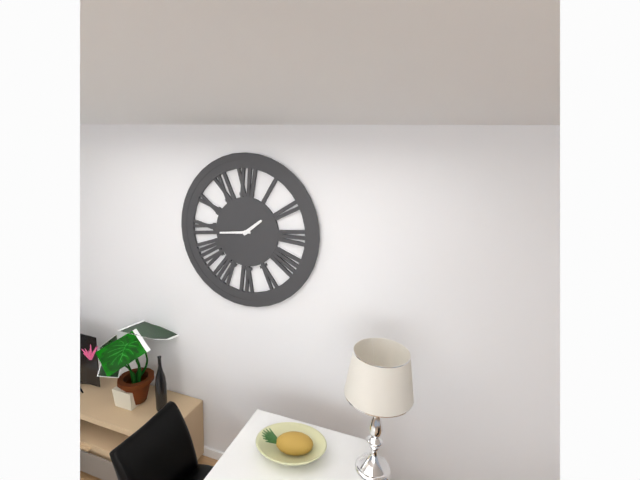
1:44
